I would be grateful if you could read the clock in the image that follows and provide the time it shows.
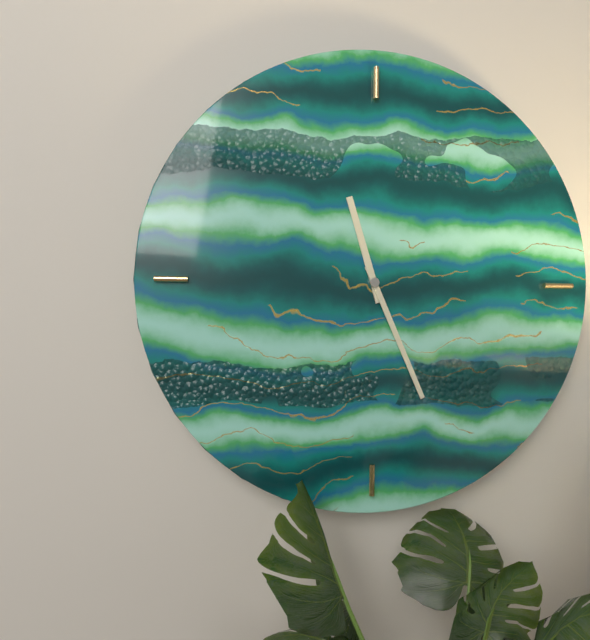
11:26
